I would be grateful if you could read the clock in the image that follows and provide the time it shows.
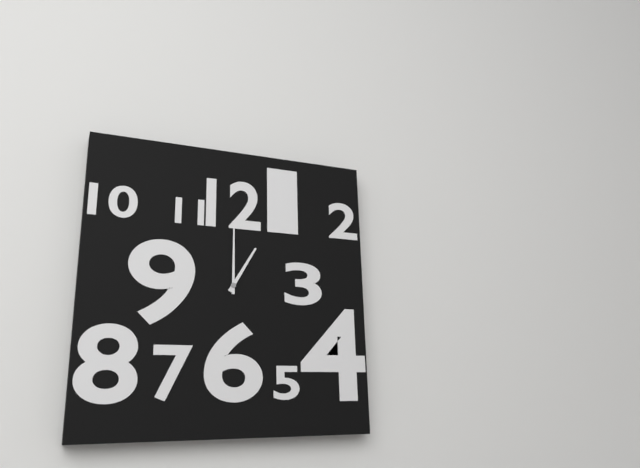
1:00
